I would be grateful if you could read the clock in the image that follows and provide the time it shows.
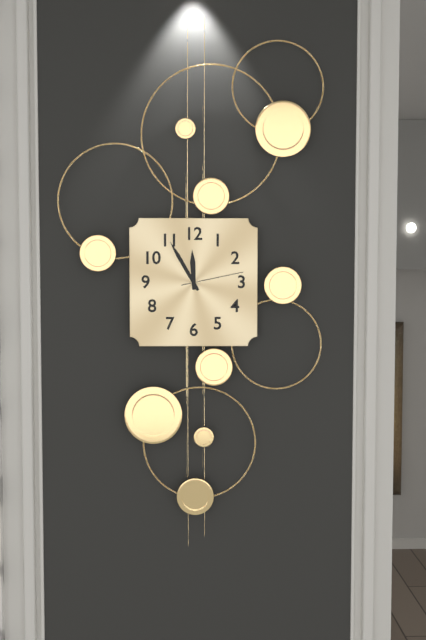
11:55:13
